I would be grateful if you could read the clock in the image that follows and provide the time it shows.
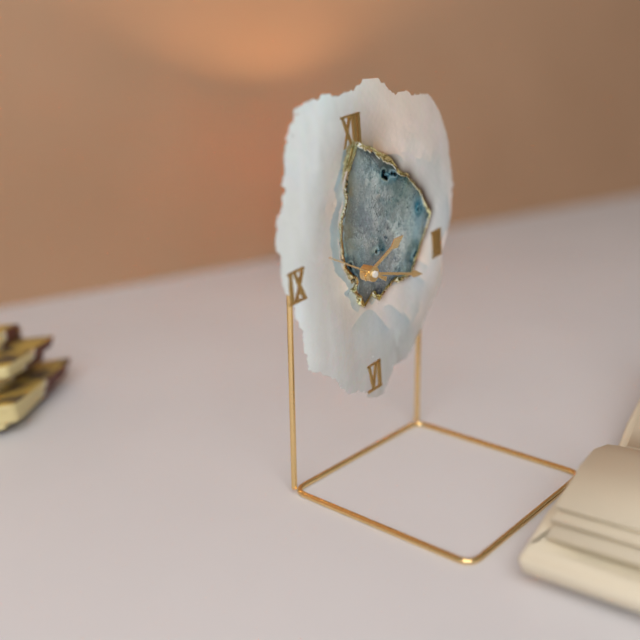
2:18:50
